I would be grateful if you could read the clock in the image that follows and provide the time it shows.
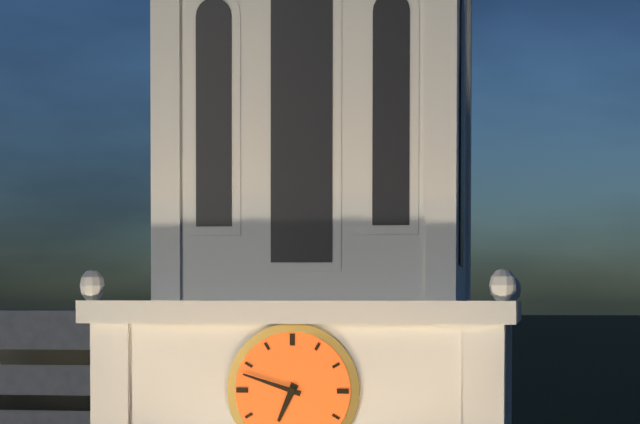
6:48
